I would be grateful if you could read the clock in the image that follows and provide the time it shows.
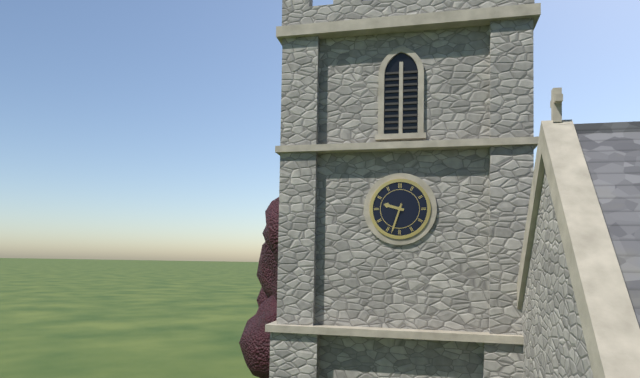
9:33
